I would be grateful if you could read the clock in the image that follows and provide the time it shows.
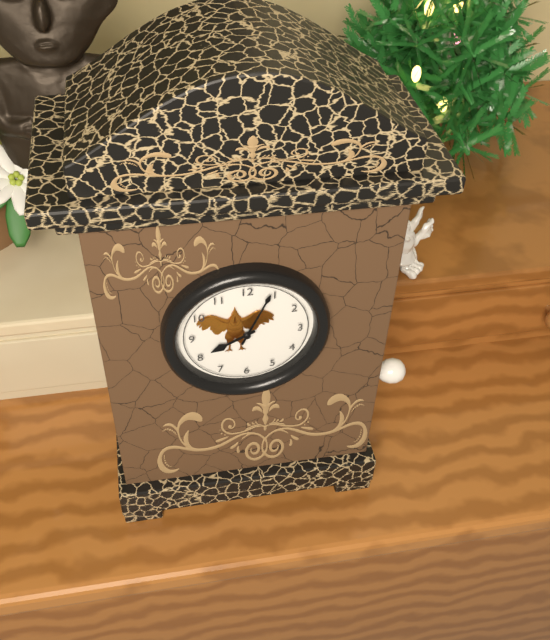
8:04
